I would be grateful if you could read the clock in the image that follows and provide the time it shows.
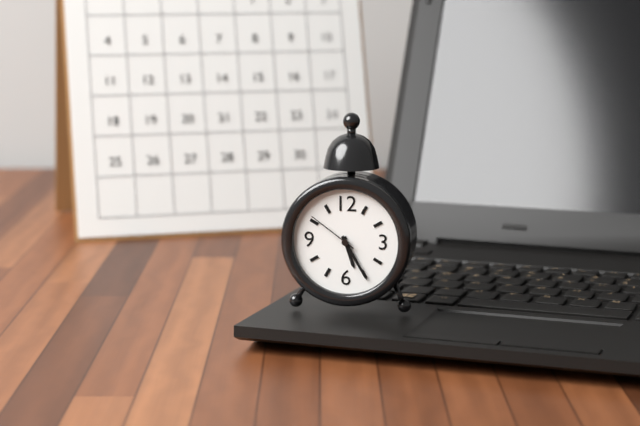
5:25:51
